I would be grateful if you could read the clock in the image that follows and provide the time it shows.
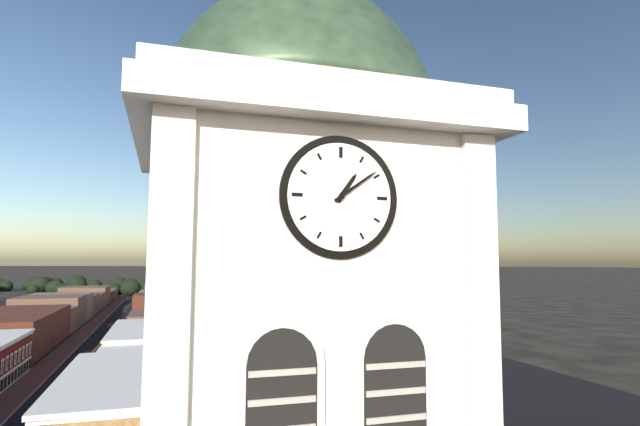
1:09
